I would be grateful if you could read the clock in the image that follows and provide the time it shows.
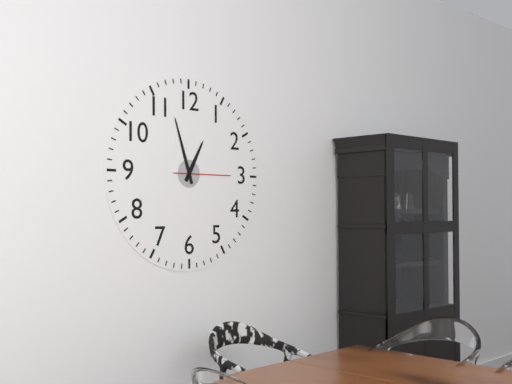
12:57:15
